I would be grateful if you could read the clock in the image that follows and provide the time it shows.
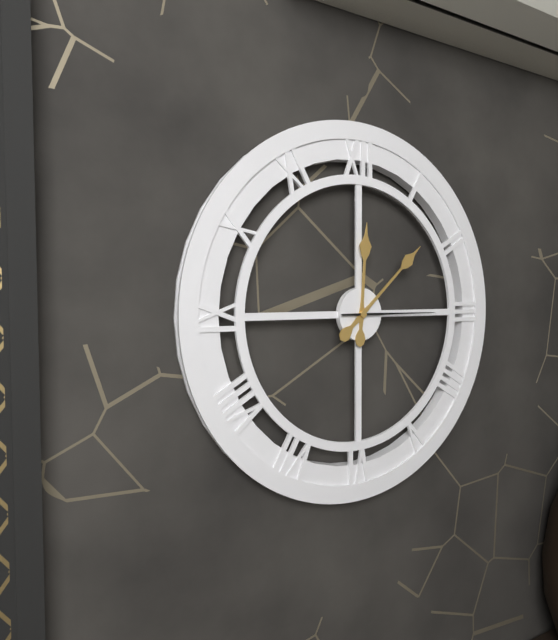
12:08:15
